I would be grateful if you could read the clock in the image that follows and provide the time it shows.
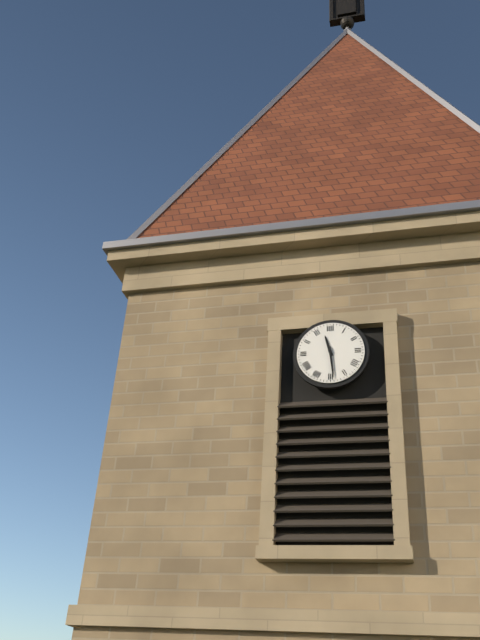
11:29
